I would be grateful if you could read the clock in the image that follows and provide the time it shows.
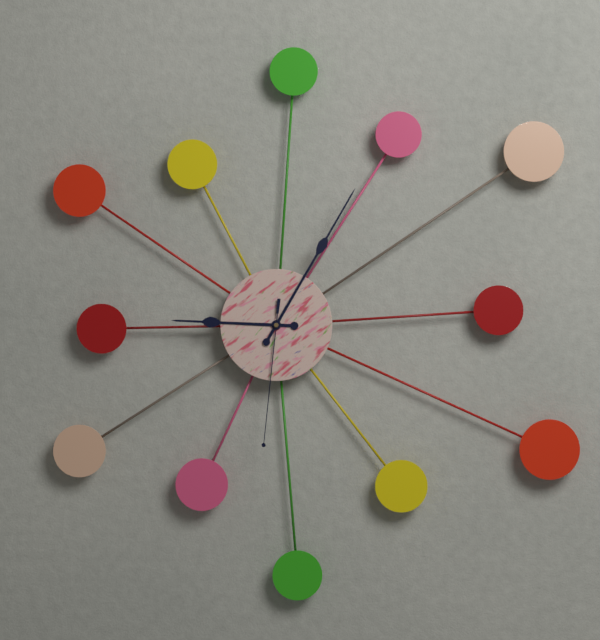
9:05:31
